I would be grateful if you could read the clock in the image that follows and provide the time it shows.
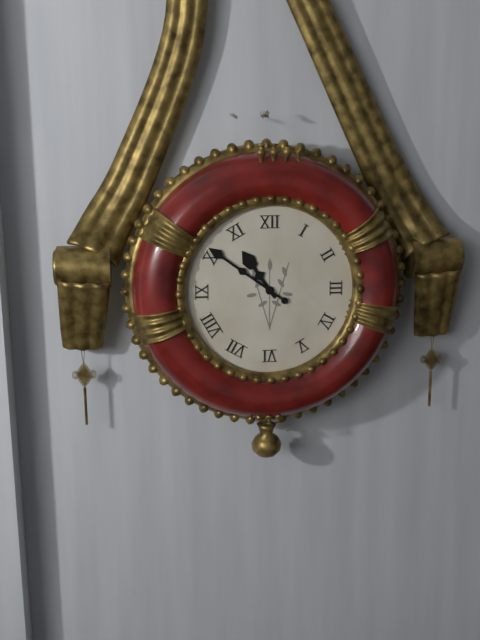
10:51
